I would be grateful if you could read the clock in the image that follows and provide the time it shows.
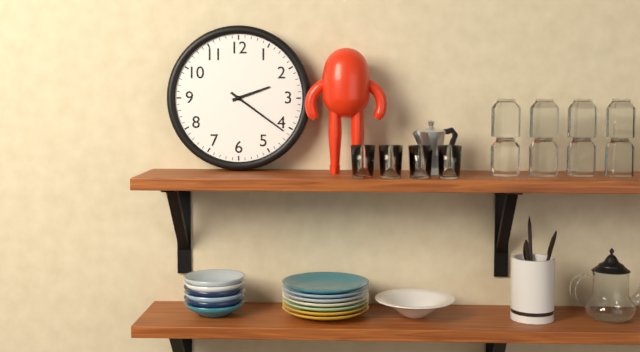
2:21
